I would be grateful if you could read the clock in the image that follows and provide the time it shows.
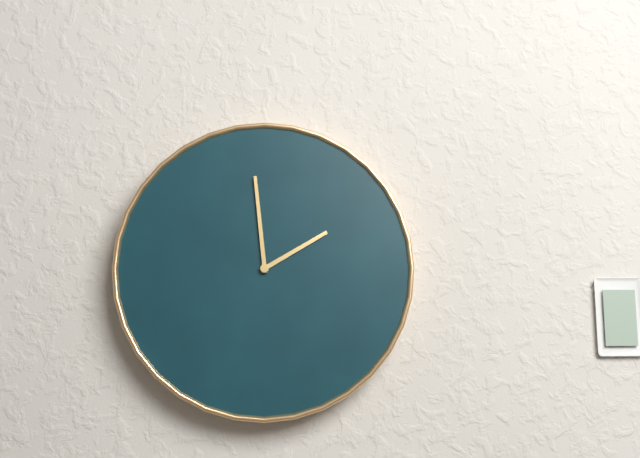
1:59
